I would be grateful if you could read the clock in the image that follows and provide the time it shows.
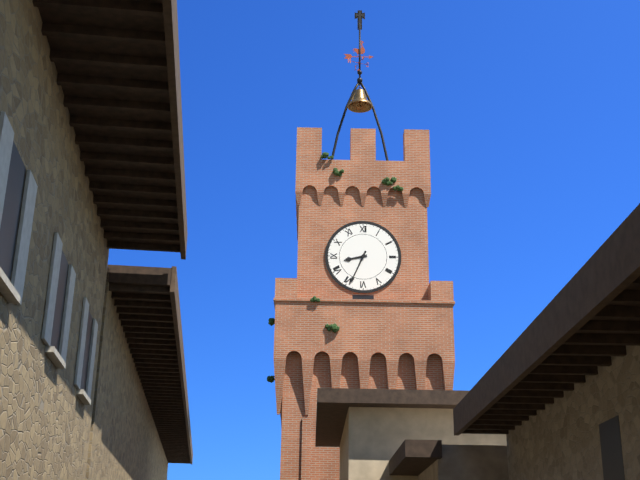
8:34
